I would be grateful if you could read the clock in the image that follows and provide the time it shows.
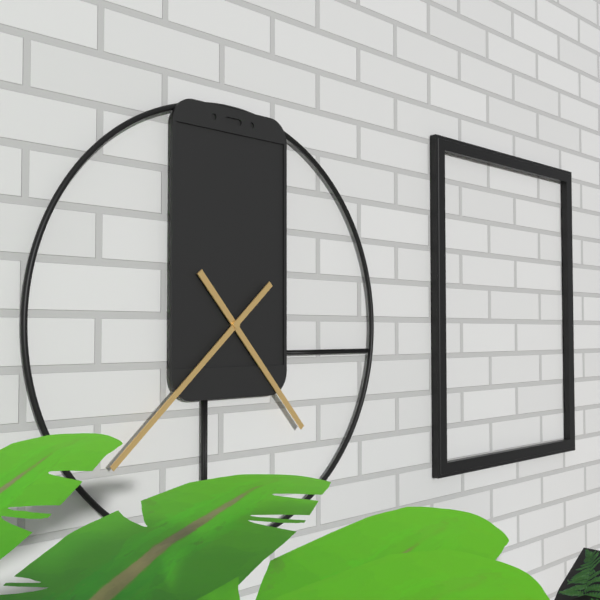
4:38
